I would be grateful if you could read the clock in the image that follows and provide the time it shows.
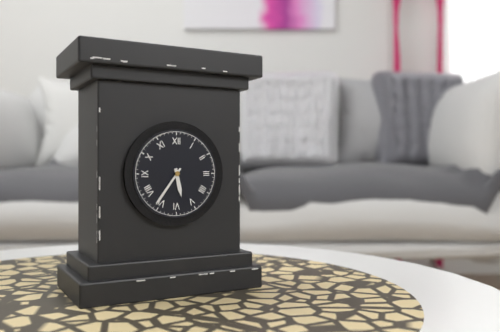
5:36
